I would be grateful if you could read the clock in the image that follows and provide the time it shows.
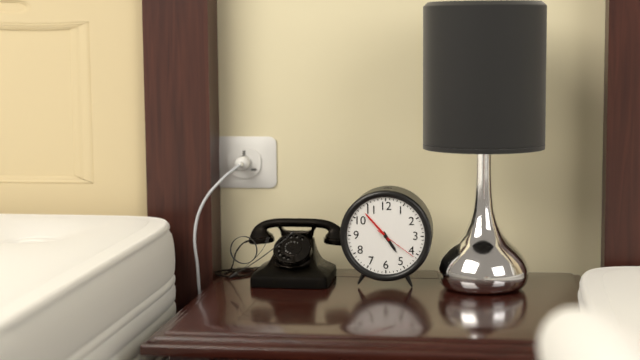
4:53
